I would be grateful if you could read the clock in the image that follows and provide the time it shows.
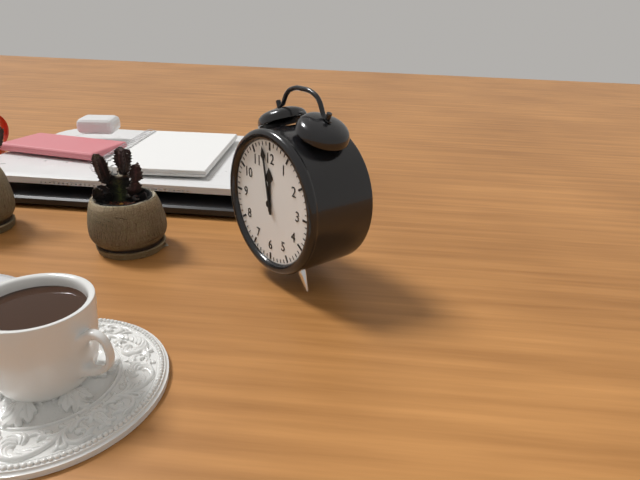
11:58
